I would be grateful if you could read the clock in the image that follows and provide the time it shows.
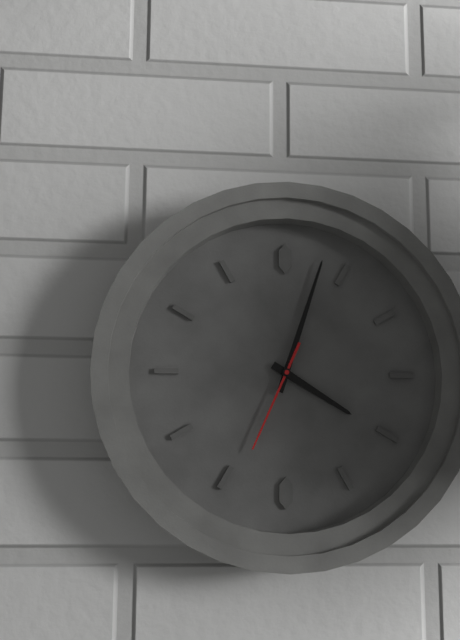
4:03:34
